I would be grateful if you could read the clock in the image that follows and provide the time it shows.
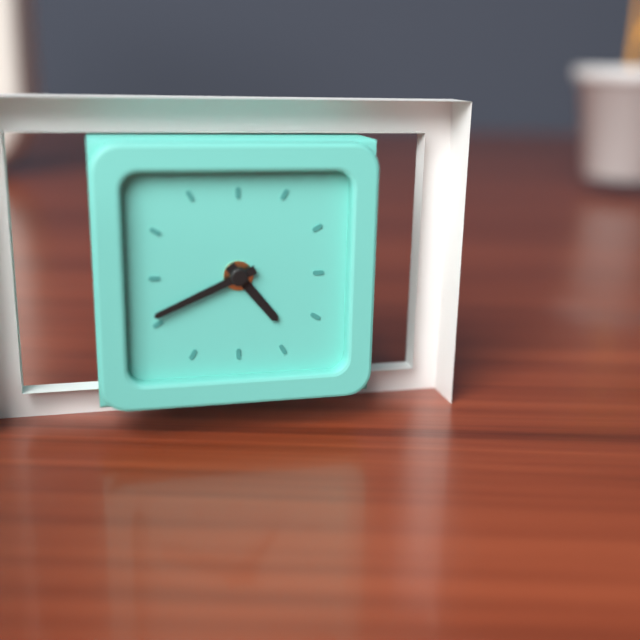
4:41
